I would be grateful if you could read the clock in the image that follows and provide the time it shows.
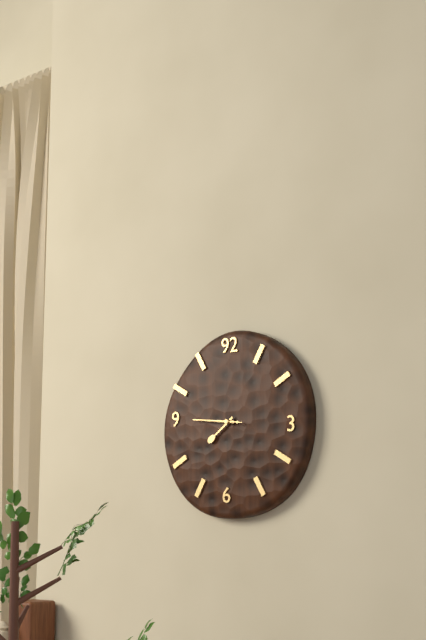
7:46:46
